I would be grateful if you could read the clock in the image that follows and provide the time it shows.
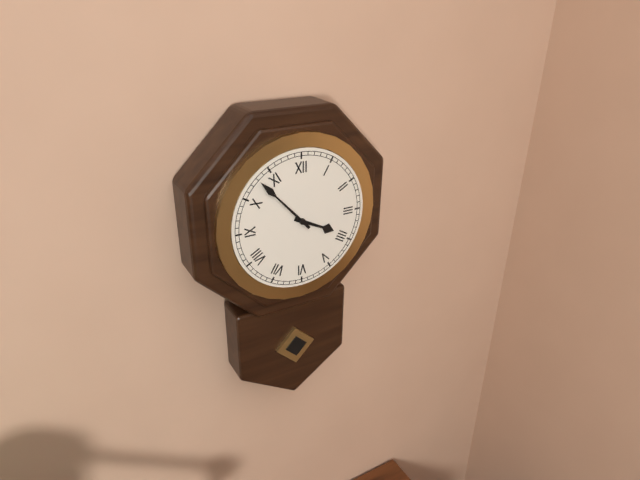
3:53
